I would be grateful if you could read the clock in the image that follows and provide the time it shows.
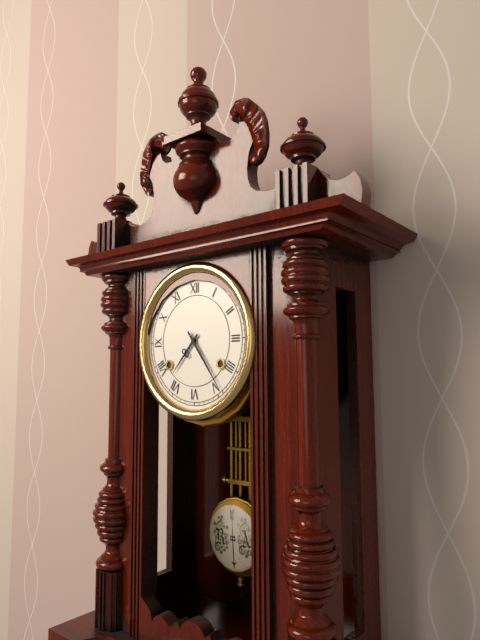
7:24
